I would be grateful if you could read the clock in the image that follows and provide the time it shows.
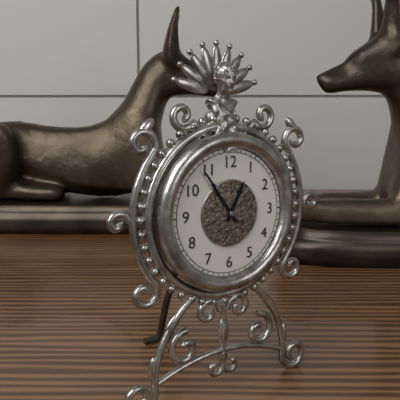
12:54
